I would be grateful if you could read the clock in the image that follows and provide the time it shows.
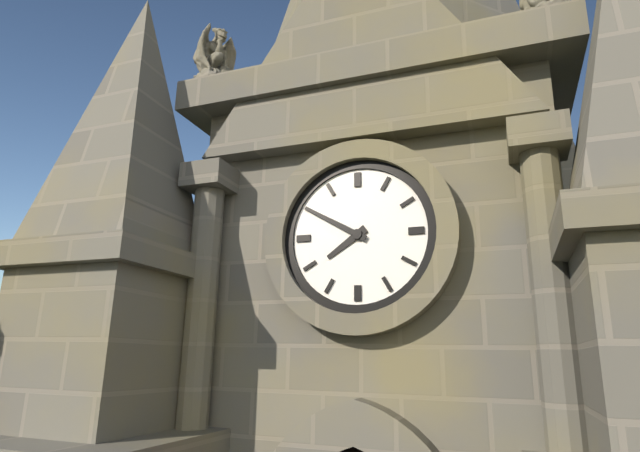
7:50
